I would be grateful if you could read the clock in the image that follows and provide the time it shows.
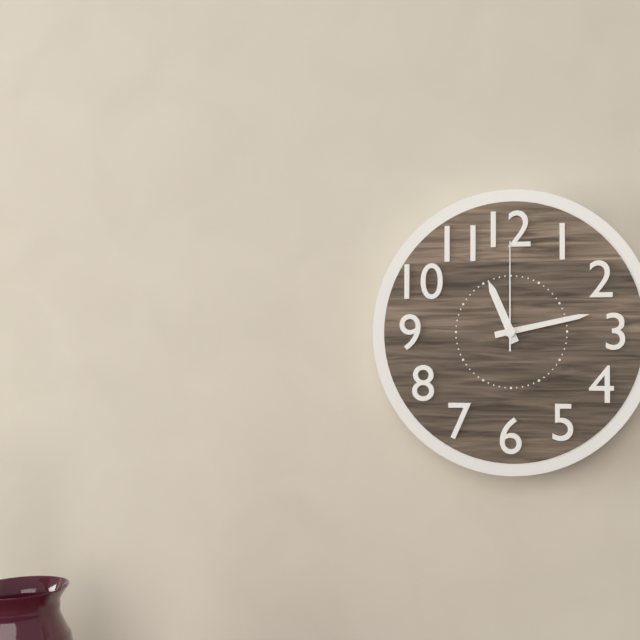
11:13:00
